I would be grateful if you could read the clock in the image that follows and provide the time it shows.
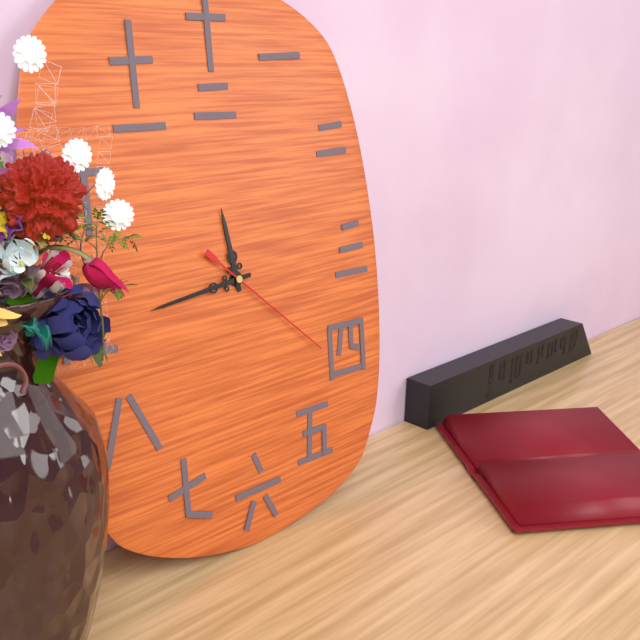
11:44:22
